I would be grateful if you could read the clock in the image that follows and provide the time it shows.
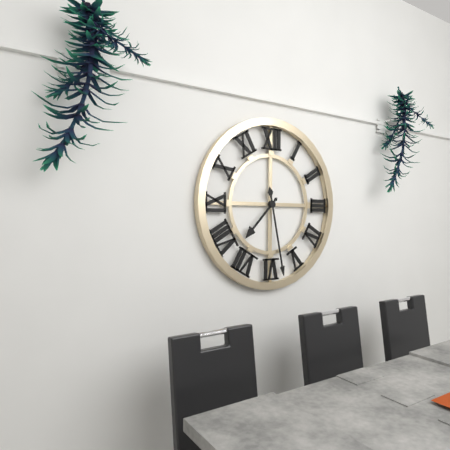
7:28
